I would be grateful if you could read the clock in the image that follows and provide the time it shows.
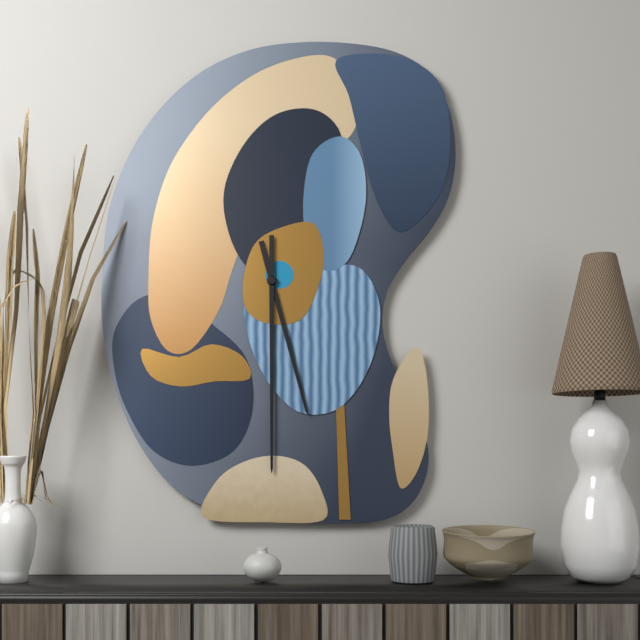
5:30
